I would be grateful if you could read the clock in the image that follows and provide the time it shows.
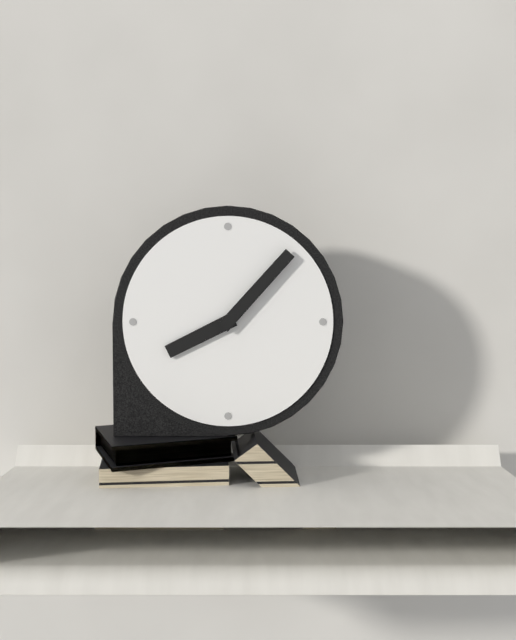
8:07
